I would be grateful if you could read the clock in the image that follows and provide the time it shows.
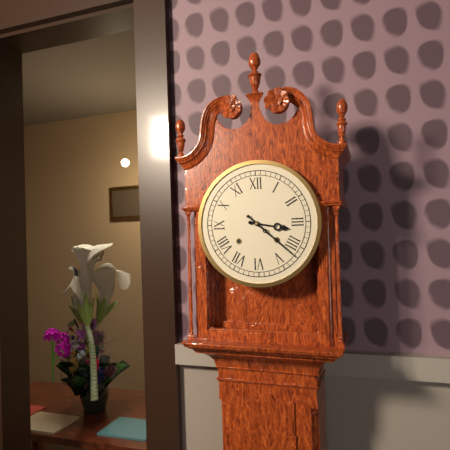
3:22
